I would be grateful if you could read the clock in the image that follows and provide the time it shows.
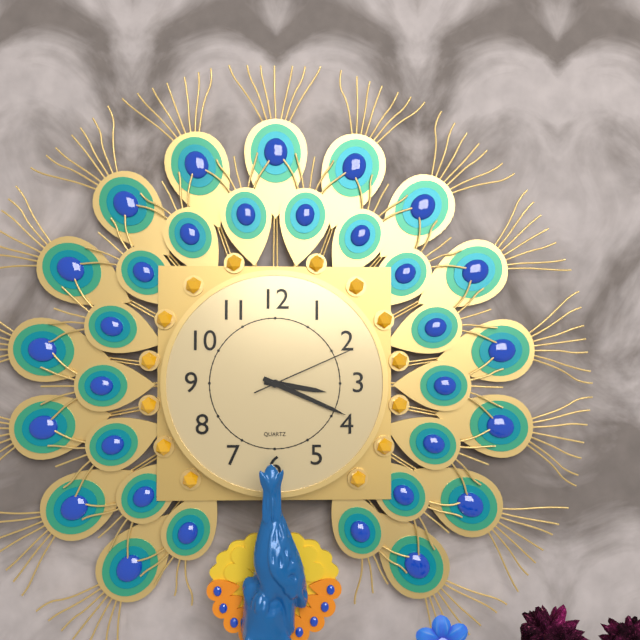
3:19:11
